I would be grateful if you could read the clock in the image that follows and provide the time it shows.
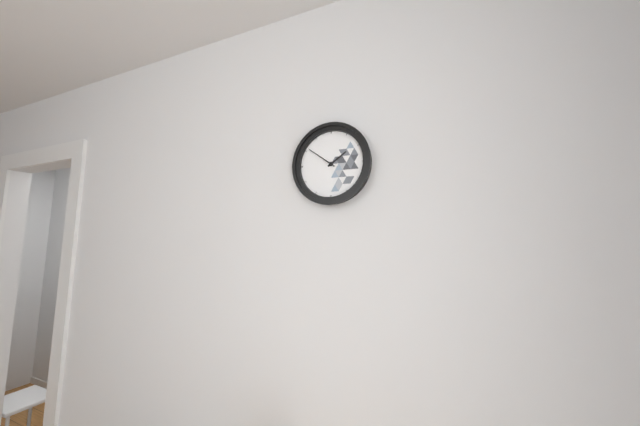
1:51
